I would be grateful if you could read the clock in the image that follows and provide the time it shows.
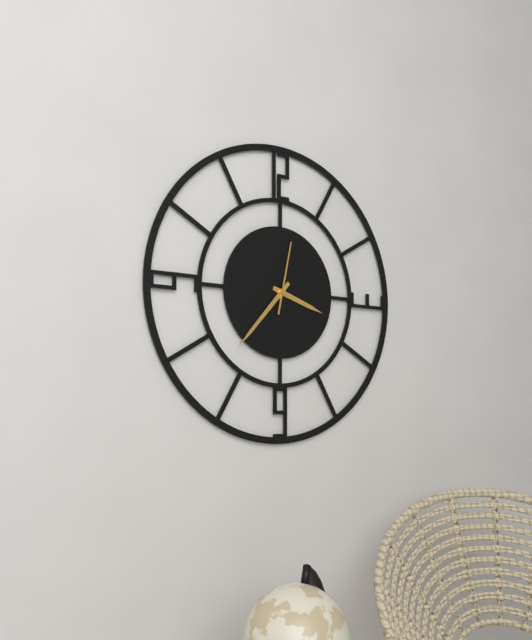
3:37:02
